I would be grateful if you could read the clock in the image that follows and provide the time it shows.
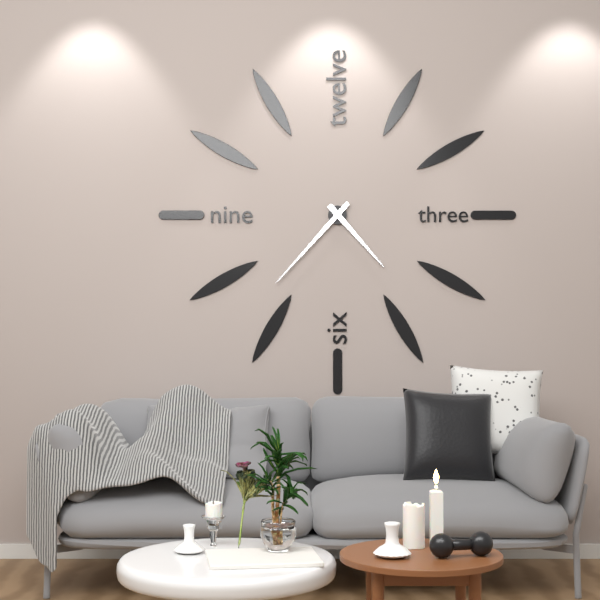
4:37
